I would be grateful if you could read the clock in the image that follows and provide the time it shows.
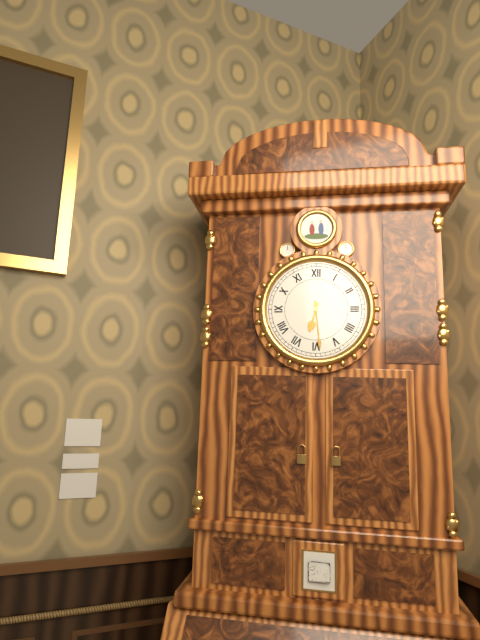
6:29
